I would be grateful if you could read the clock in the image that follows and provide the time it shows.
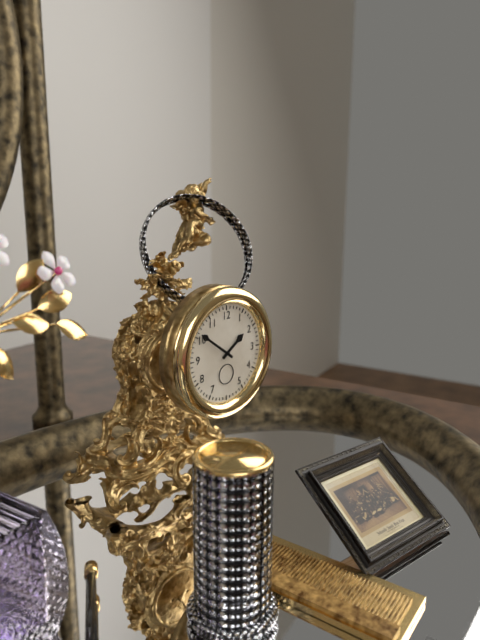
1:51
